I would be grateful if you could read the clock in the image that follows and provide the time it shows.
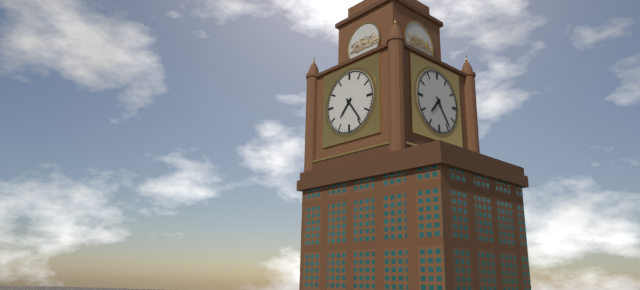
7:24
